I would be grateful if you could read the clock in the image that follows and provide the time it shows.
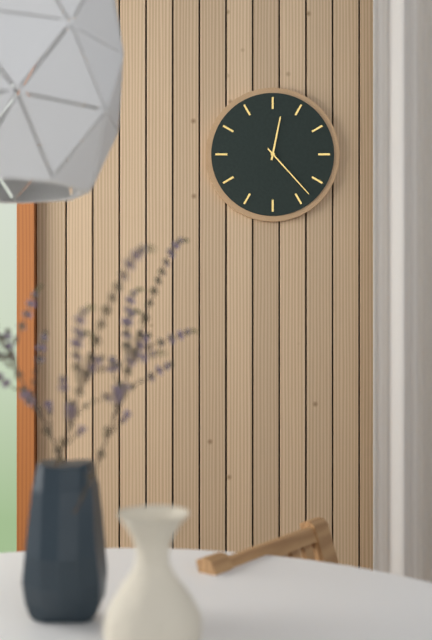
12:23
